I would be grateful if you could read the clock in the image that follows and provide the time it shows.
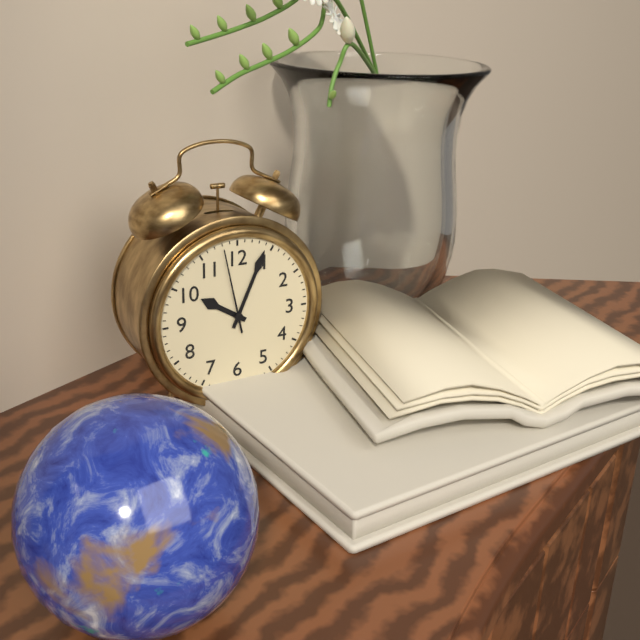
10:04:58
